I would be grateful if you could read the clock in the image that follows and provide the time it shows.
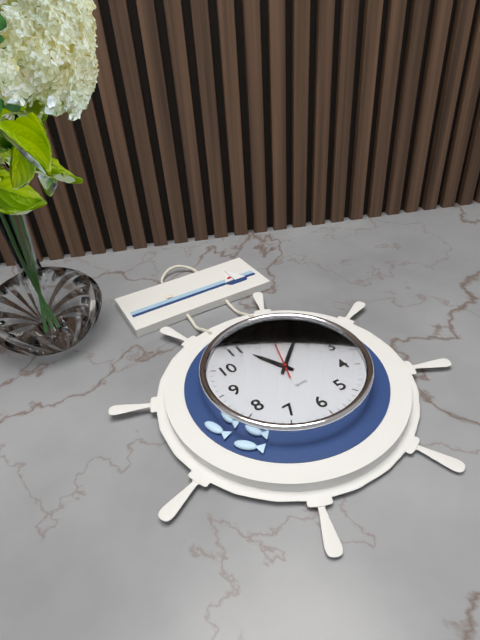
11:08:03
